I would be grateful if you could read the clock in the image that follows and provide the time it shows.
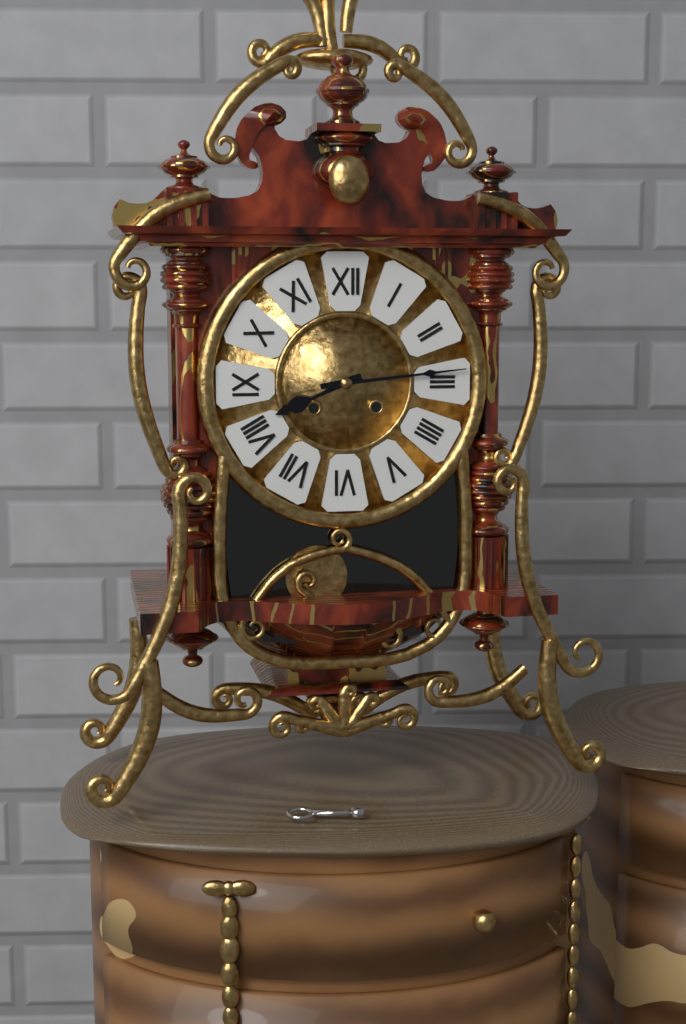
8:14
